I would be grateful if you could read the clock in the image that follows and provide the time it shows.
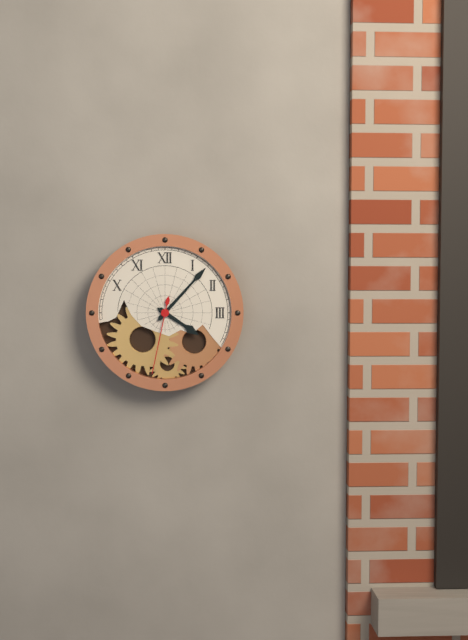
4:07:32
